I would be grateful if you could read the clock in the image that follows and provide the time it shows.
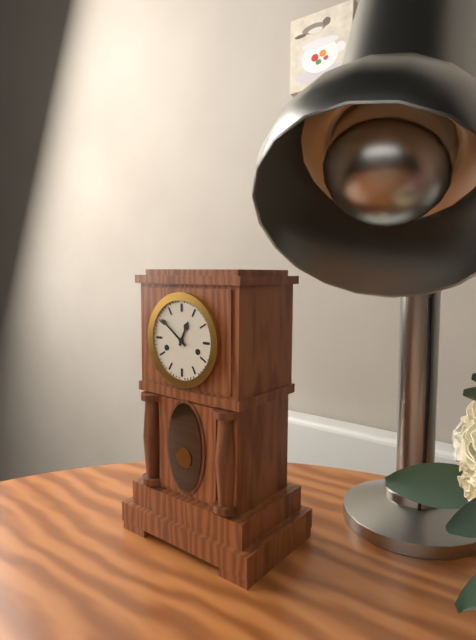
12:51
